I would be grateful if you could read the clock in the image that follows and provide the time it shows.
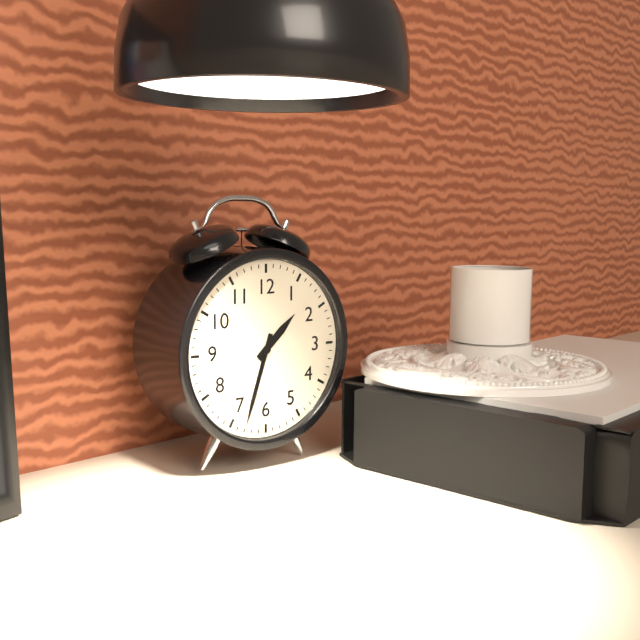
1:33
